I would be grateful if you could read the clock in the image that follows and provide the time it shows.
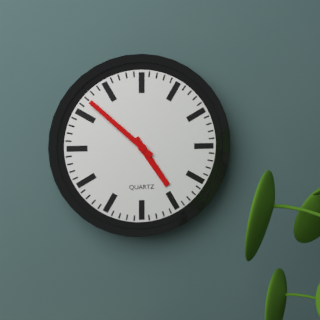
4:52
